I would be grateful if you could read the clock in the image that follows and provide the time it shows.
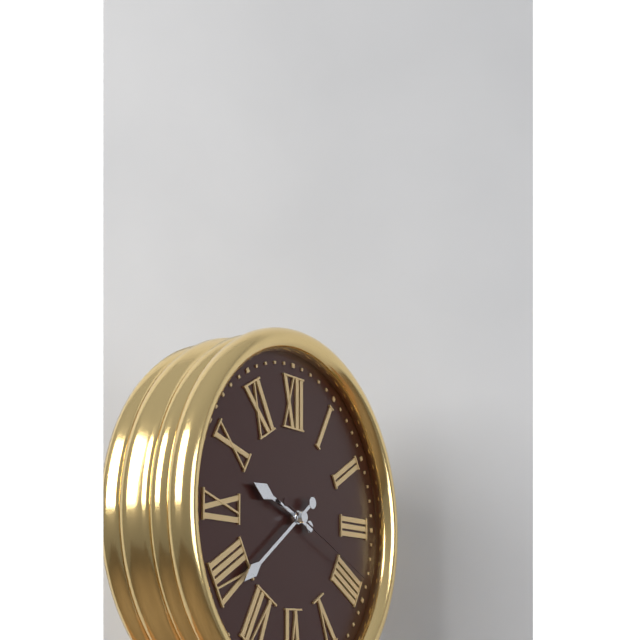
9:39:19
